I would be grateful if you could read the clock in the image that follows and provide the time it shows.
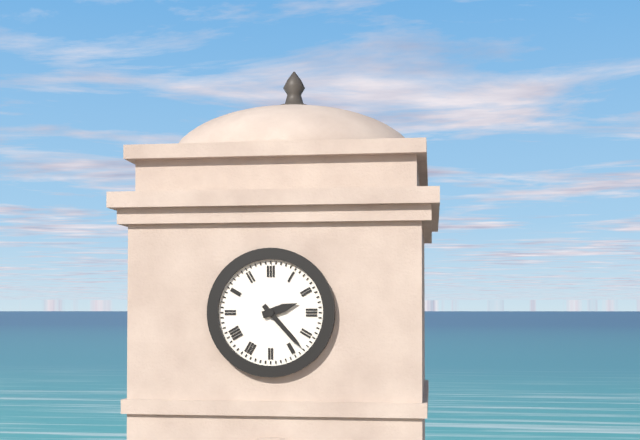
2:23
